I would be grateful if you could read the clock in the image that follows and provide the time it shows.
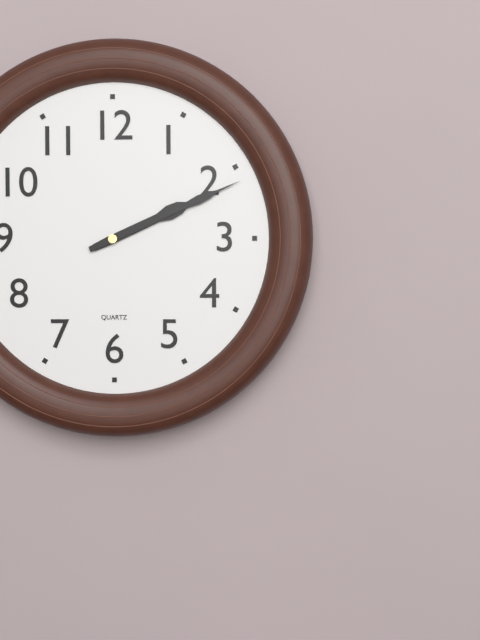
2:11
